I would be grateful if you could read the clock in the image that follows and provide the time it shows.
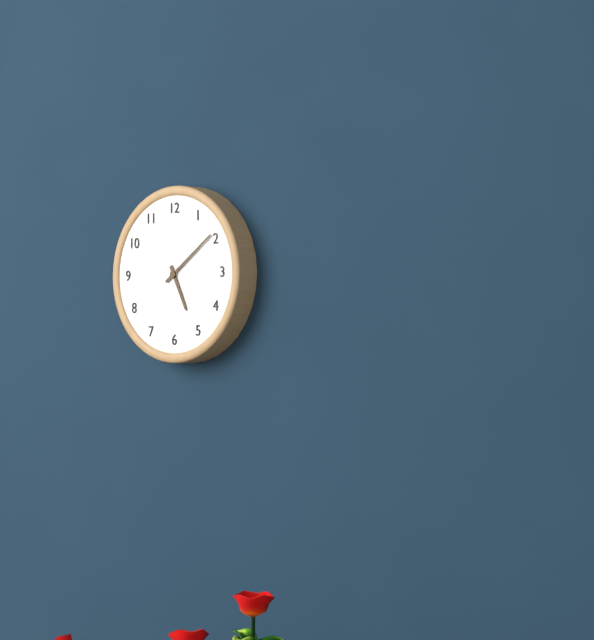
5:09
